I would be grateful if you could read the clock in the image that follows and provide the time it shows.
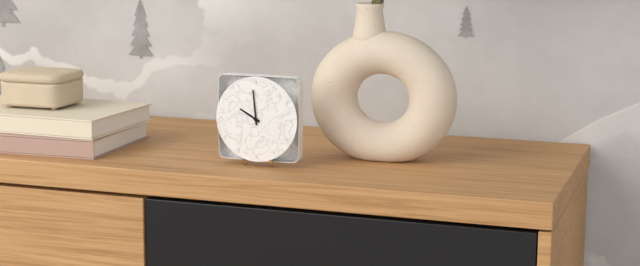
9:59
